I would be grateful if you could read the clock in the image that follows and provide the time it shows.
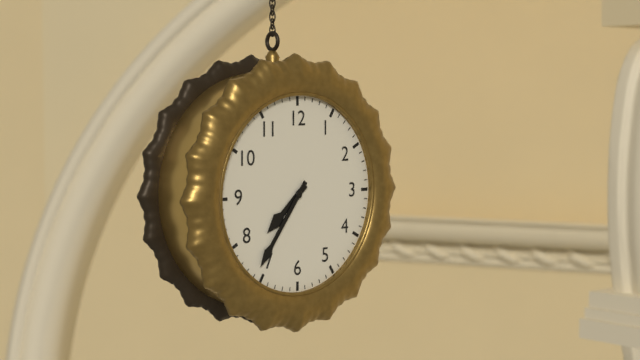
7:36
